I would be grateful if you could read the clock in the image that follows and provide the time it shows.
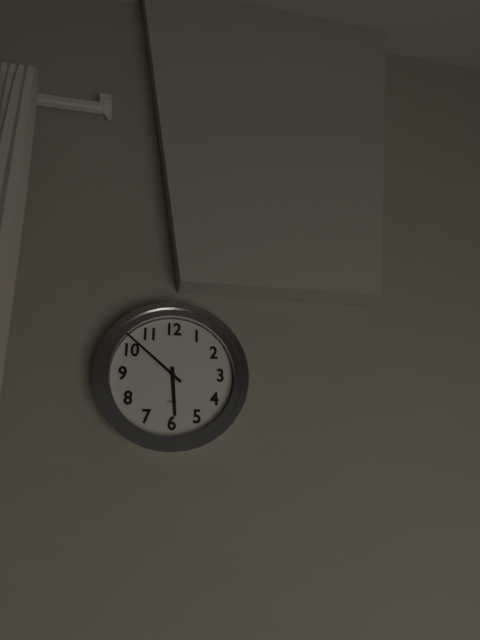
5:52
